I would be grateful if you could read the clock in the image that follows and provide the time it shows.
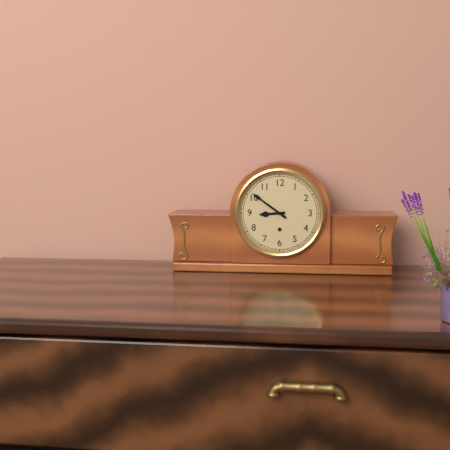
8:51
